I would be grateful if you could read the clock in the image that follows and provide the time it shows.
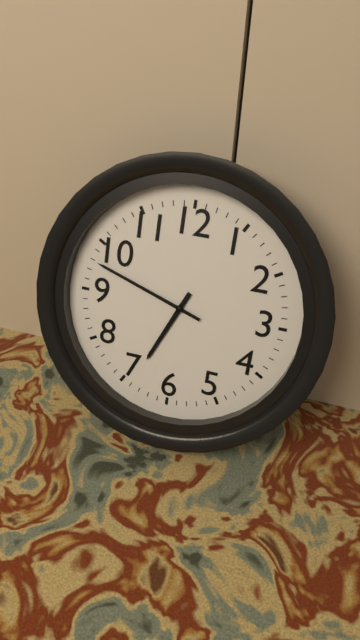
6:48
